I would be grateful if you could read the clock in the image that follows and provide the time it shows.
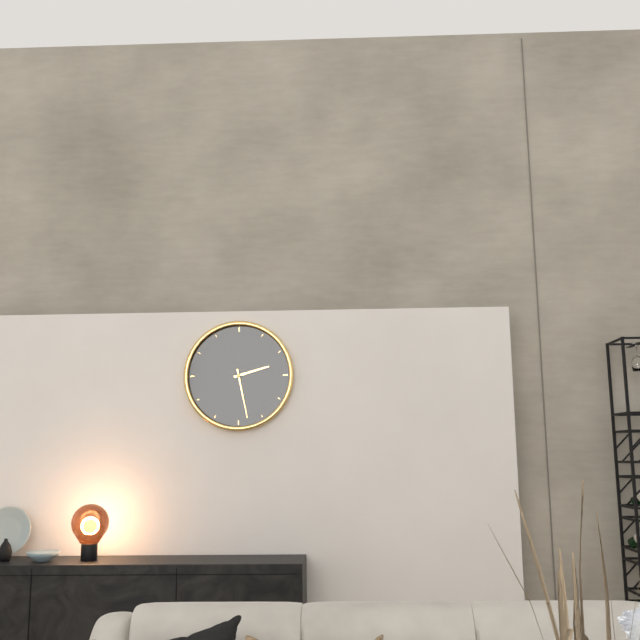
2:28
